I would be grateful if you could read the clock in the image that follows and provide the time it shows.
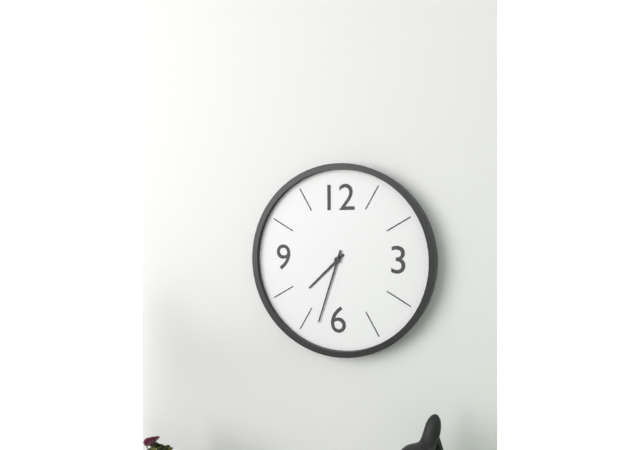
7:33
